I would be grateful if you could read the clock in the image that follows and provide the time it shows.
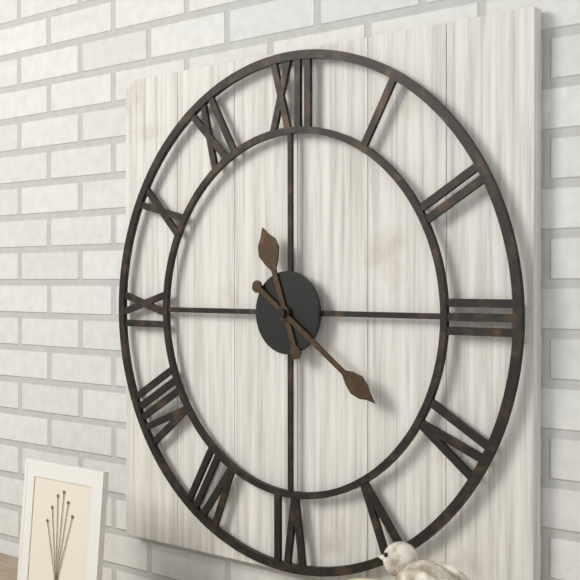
11:21
